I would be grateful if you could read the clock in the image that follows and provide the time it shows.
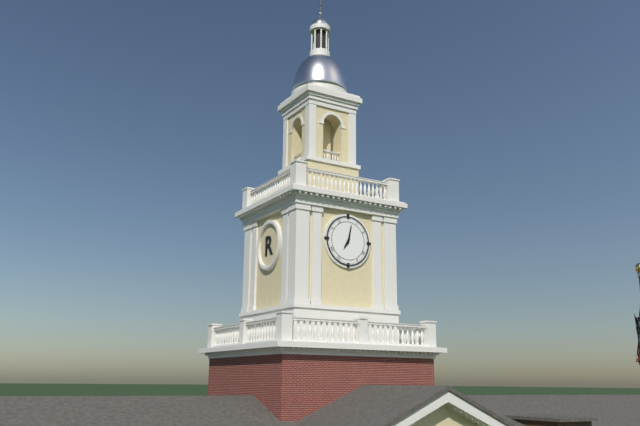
7:02
